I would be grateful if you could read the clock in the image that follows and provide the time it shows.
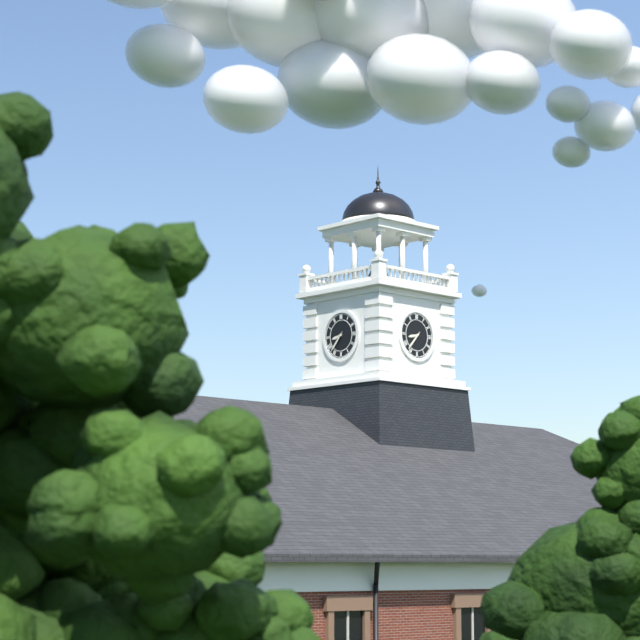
8:37
